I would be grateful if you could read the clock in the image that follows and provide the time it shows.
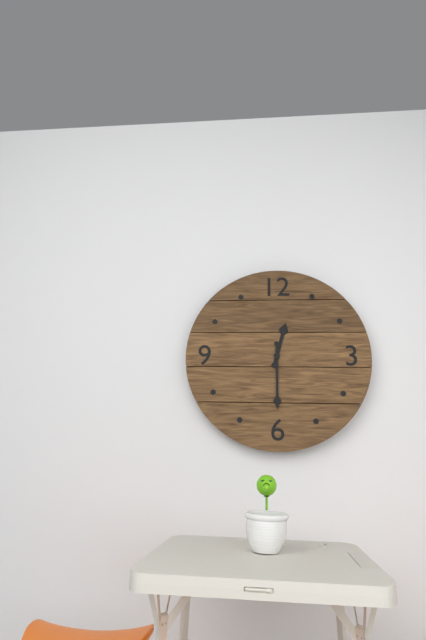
12:30
